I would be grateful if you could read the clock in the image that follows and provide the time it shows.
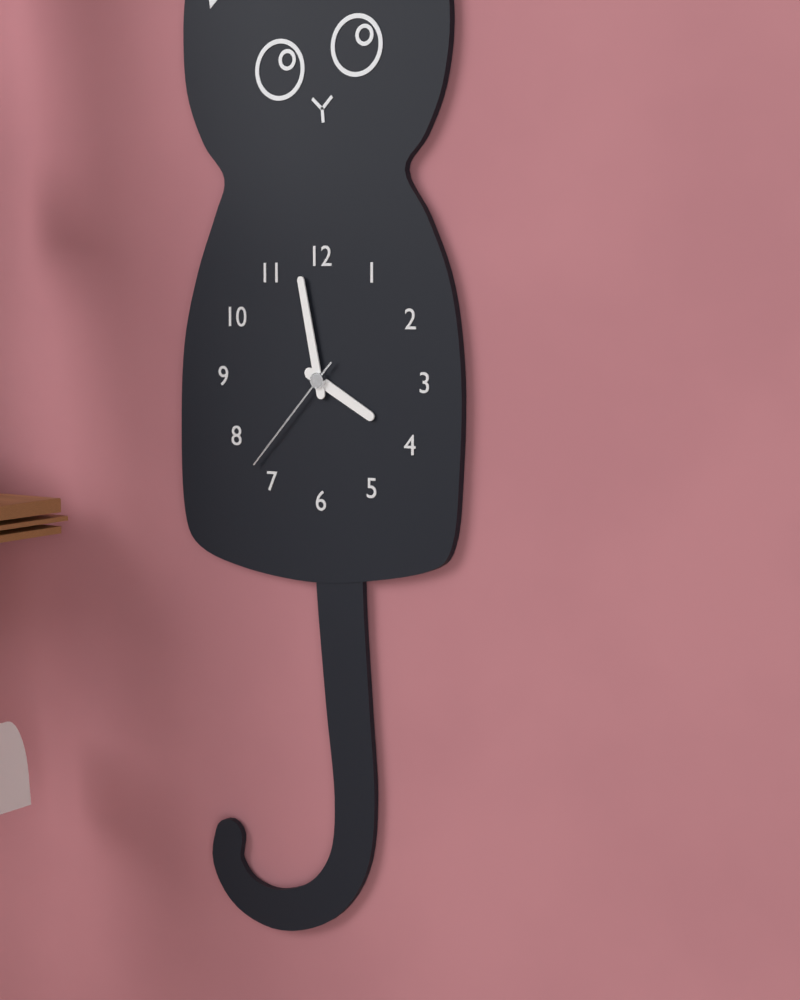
3:58:37
